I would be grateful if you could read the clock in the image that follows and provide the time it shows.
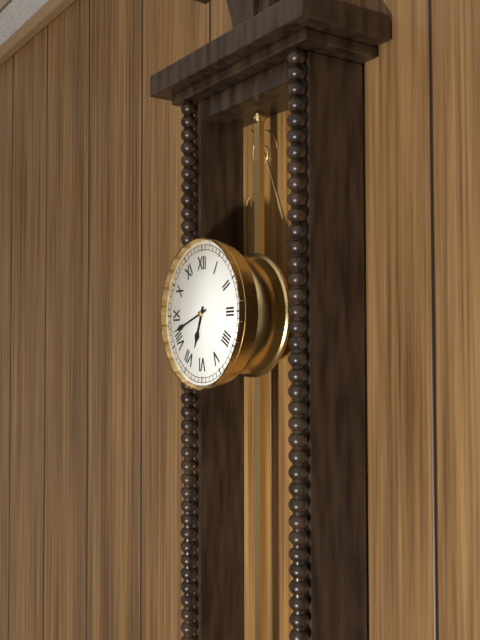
6:42
